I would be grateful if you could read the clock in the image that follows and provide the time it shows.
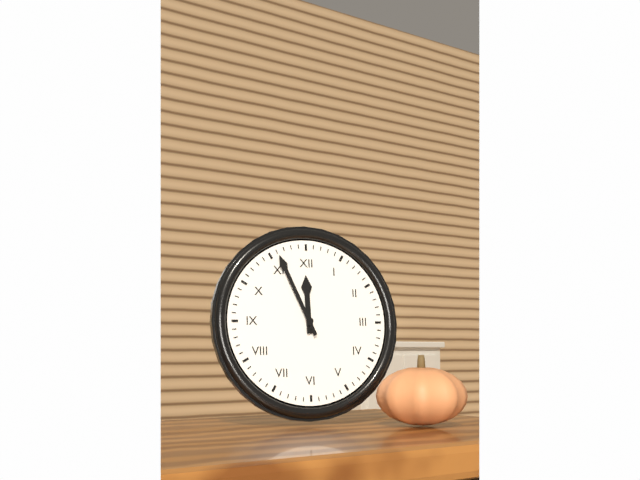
11:56
